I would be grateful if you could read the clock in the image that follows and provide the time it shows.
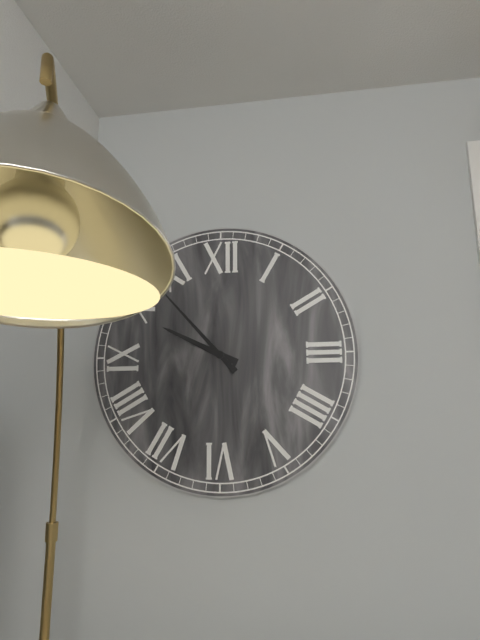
9:53
